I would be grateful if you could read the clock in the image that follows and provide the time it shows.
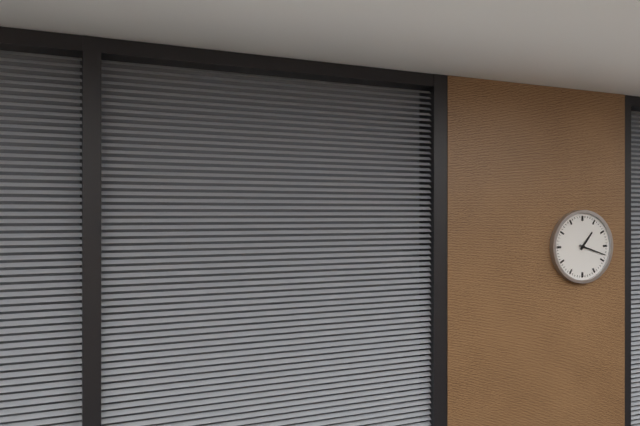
1:18
